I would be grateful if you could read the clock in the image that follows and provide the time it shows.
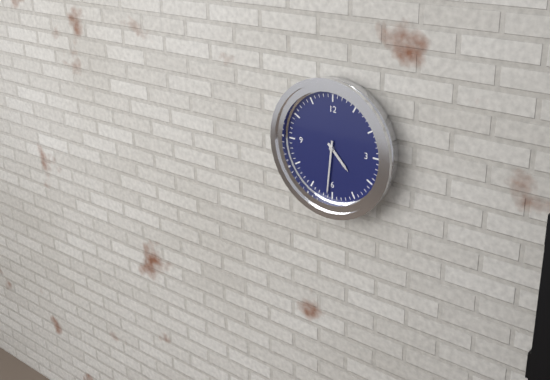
4:31
